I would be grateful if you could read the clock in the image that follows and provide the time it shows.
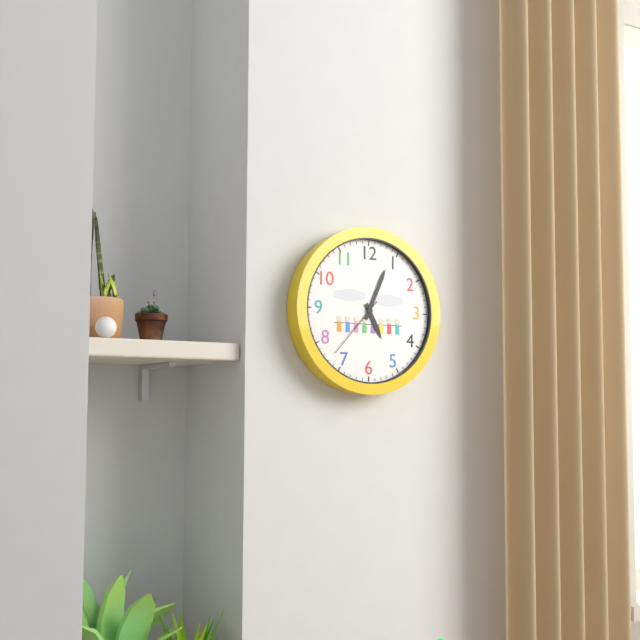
5:04:37
